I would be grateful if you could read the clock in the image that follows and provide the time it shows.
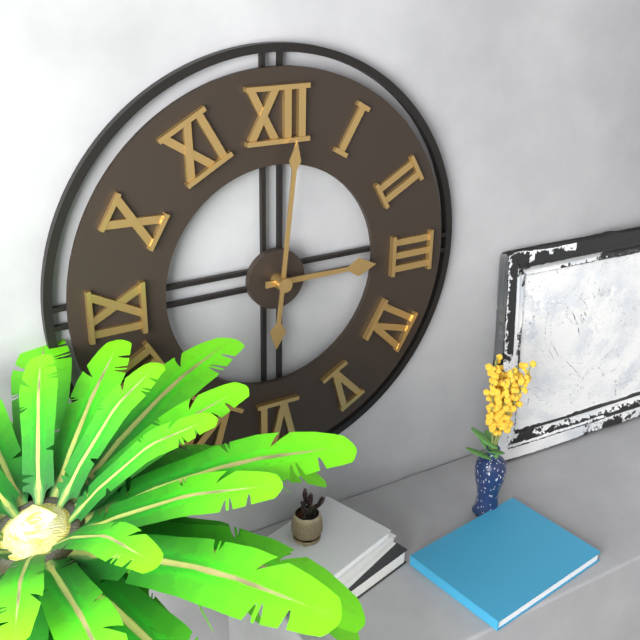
3:01
